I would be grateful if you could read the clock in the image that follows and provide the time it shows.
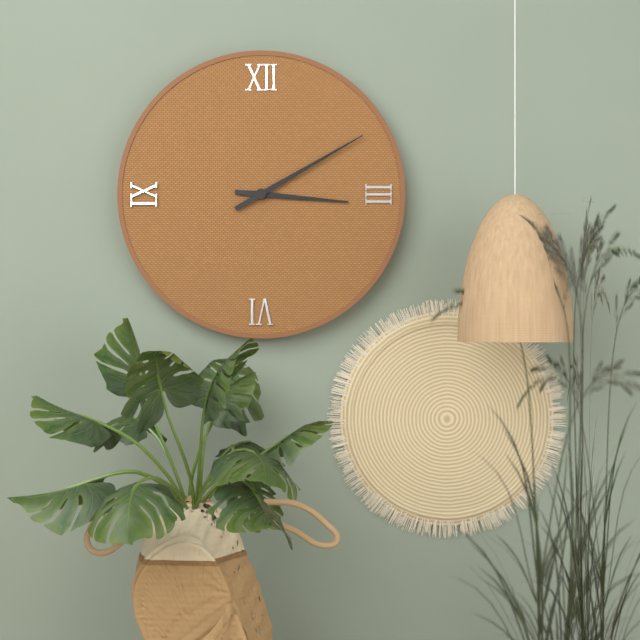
3:10
